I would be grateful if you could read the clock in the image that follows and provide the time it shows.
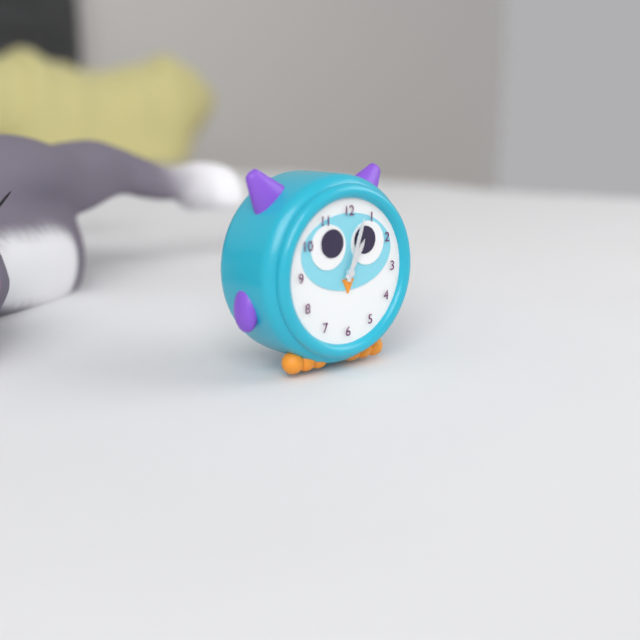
1:03
